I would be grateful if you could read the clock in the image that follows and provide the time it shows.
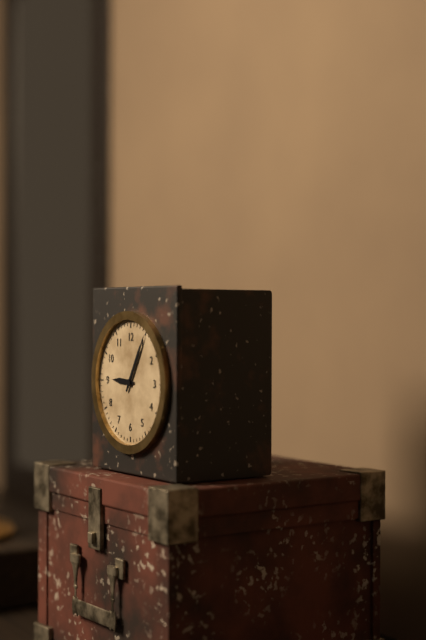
9:05
